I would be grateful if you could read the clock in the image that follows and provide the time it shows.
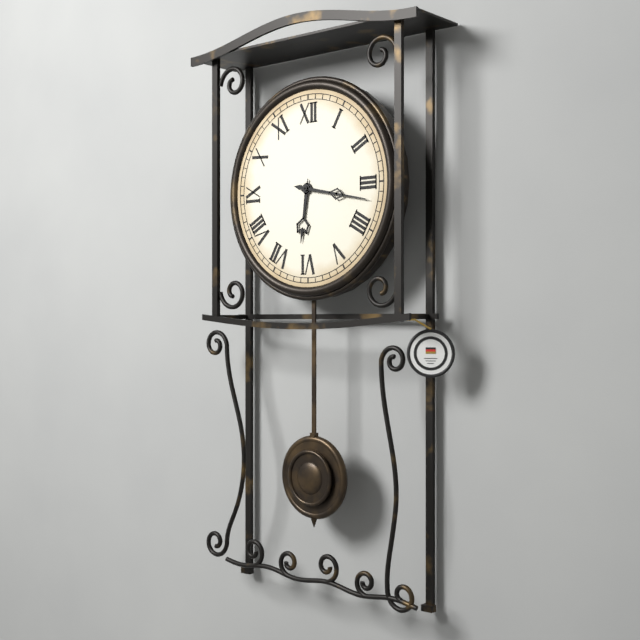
6:17
